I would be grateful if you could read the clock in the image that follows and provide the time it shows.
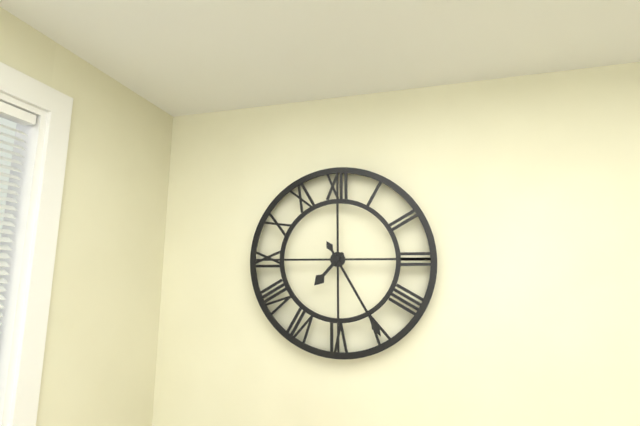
7:25
